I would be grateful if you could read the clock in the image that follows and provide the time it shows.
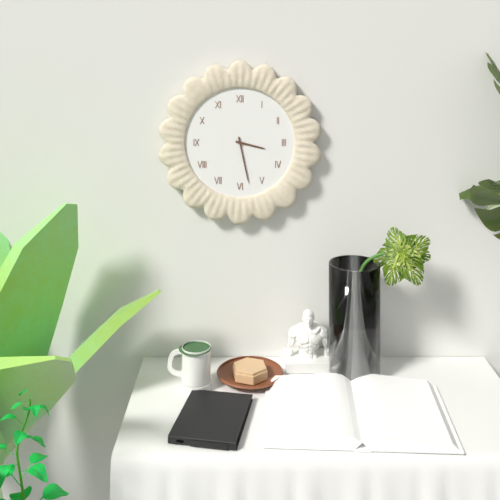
3:28
